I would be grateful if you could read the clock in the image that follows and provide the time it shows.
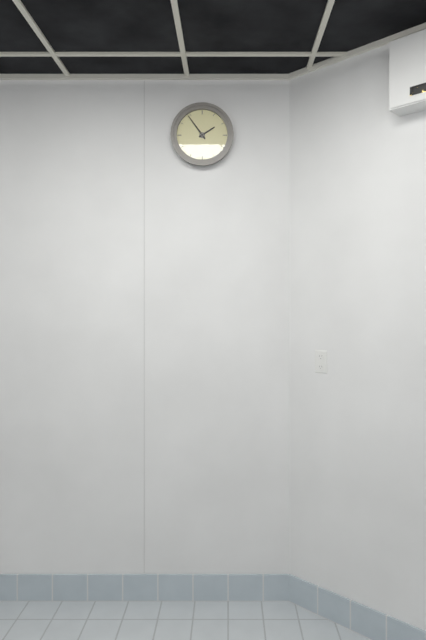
1:54
